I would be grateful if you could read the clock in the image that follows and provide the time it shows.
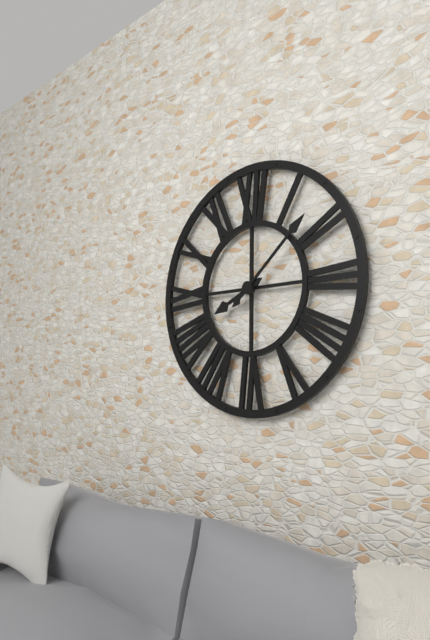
8:08
